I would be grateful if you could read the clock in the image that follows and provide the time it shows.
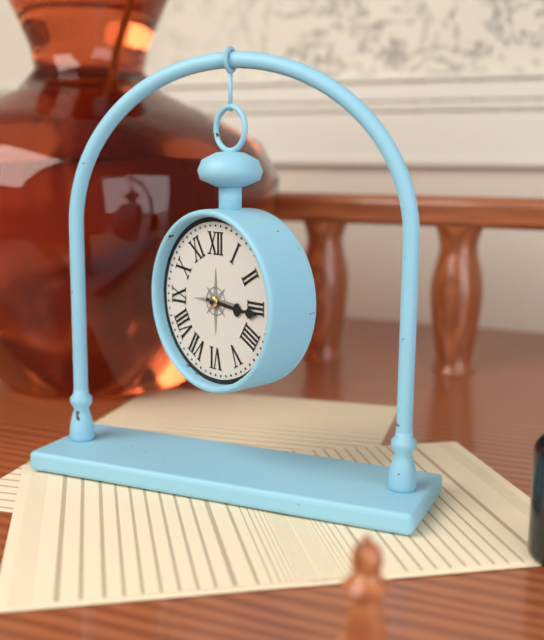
3:16
